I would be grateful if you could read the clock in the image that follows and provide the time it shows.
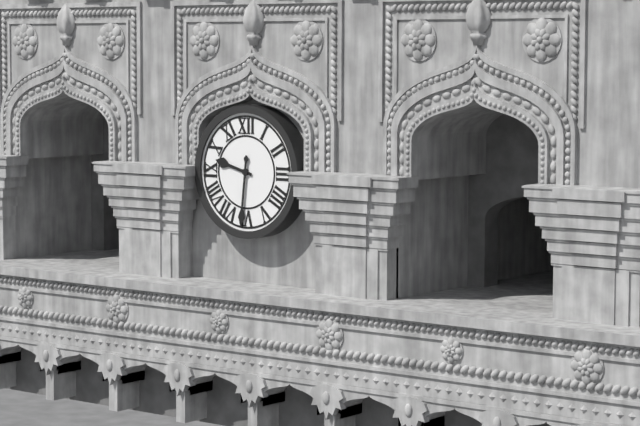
9:31
